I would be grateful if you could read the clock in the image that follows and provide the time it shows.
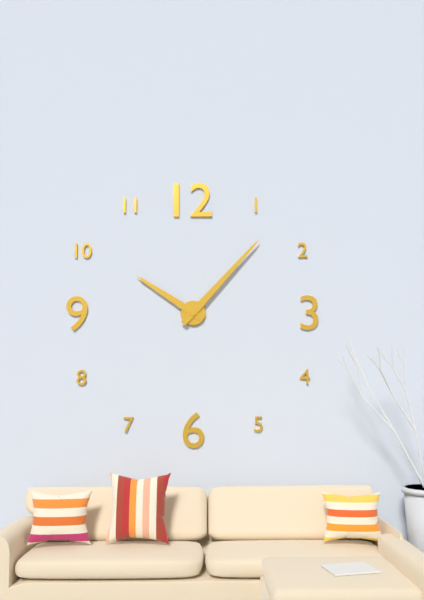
10:07
